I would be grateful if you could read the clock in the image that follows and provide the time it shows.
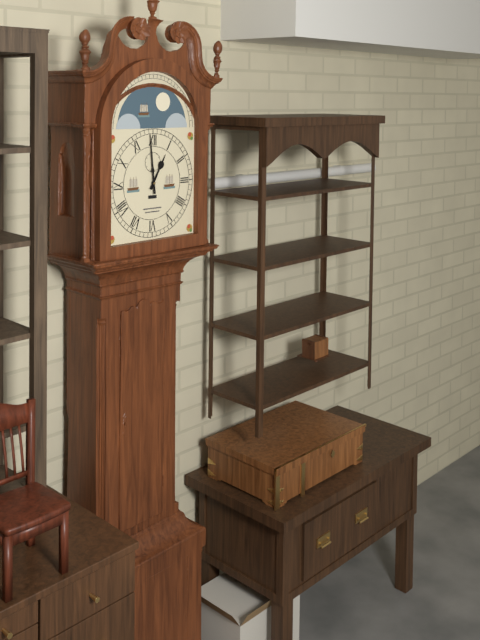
12:59
